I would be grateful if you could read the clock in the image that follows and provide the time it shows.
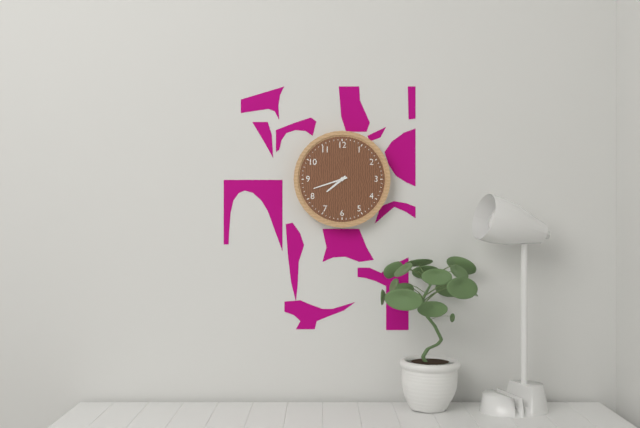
7:42
